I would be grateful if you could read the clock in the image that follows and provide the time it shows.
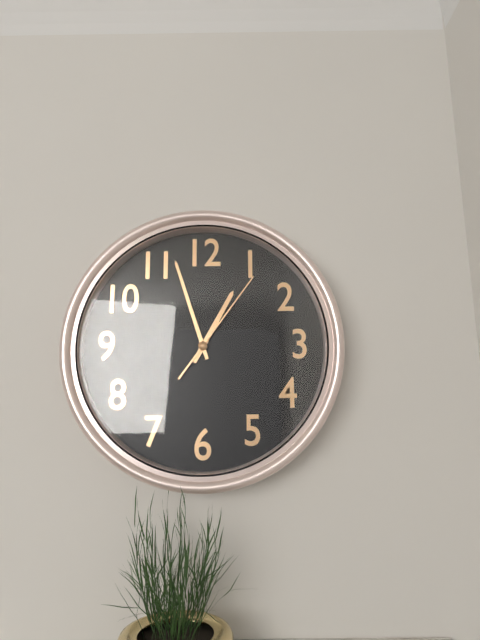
12:57:06
